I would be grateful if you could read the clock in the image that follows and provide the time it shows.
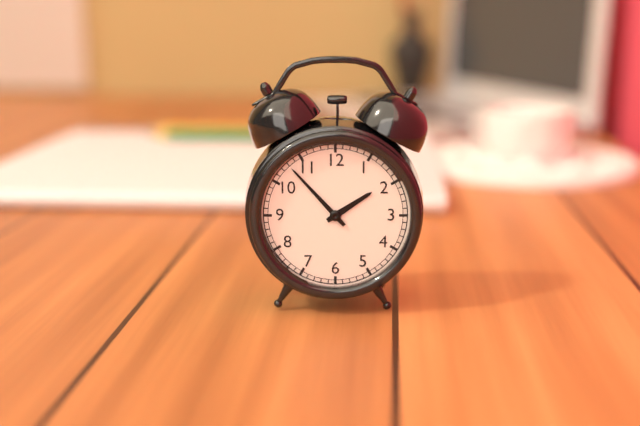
1:53
